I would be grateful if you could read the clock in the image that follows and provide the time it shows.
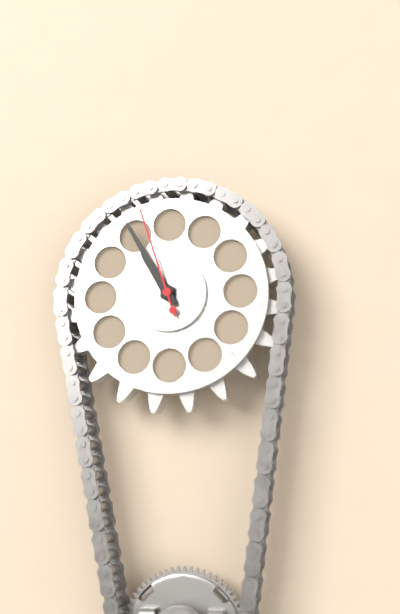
10:55:57
